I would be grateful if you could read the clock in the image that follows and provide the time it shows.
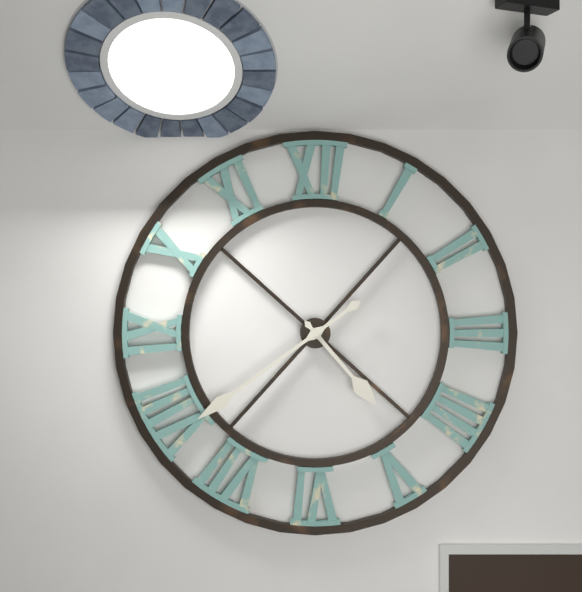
4:39
